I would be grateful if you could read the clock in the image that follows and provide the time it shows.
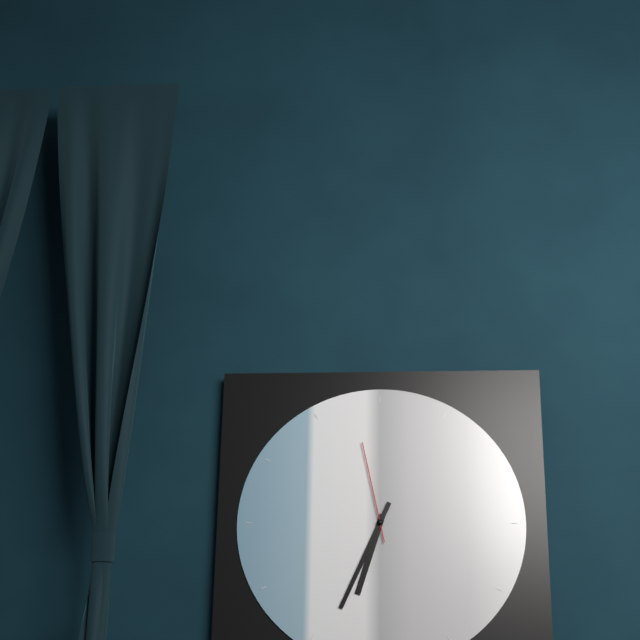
6:34:58
